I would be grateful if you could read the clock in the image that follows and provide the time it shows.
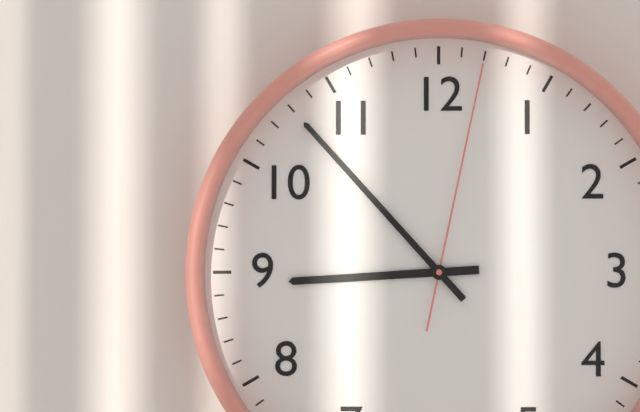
8:53:02
